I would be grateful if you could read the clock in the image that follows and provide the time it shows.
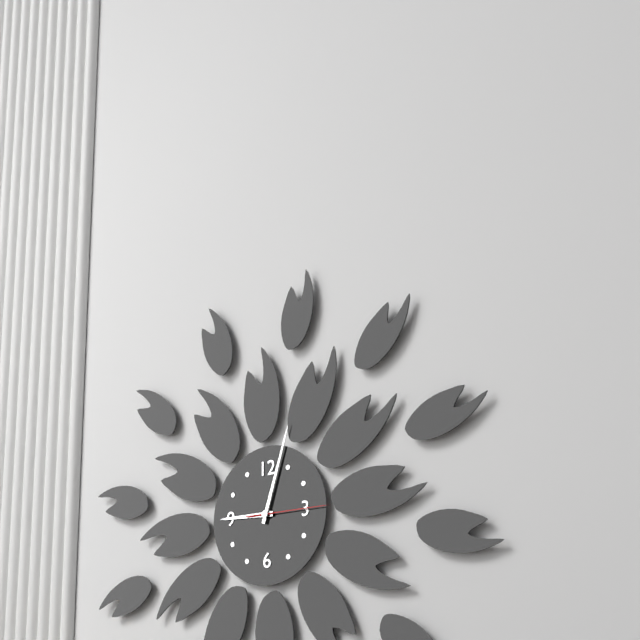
9:03:15
